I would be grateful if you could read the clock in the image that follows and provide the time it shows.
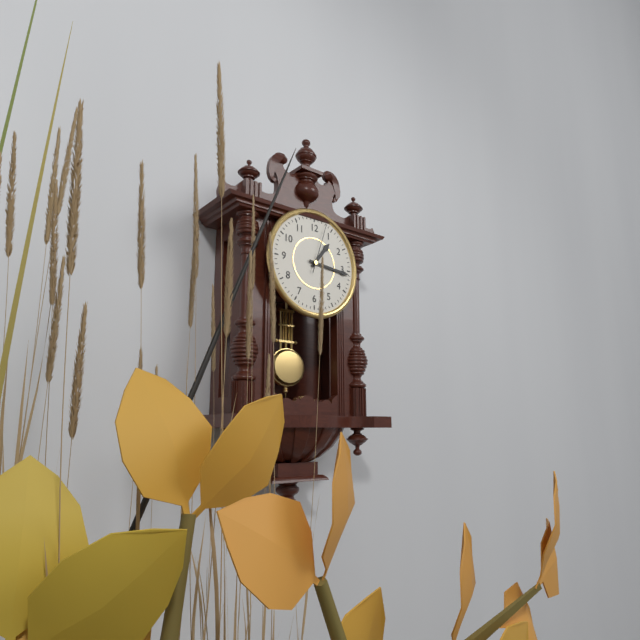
1:16
